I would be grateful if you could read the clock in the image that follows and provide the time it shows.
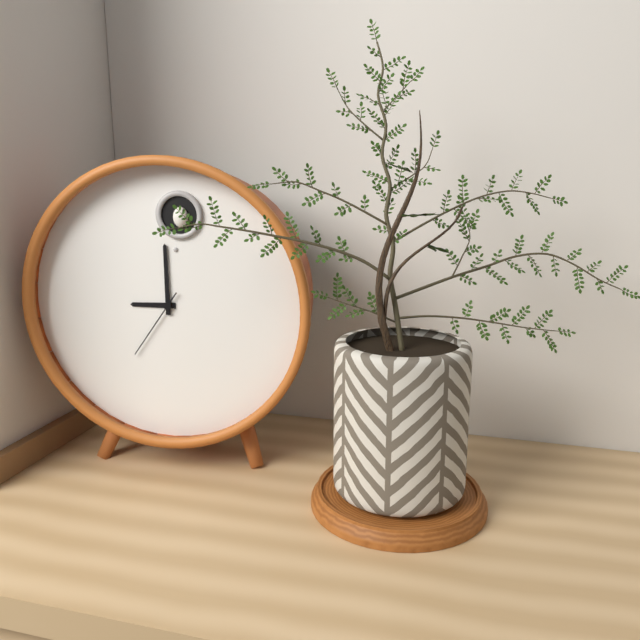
9:00:36
